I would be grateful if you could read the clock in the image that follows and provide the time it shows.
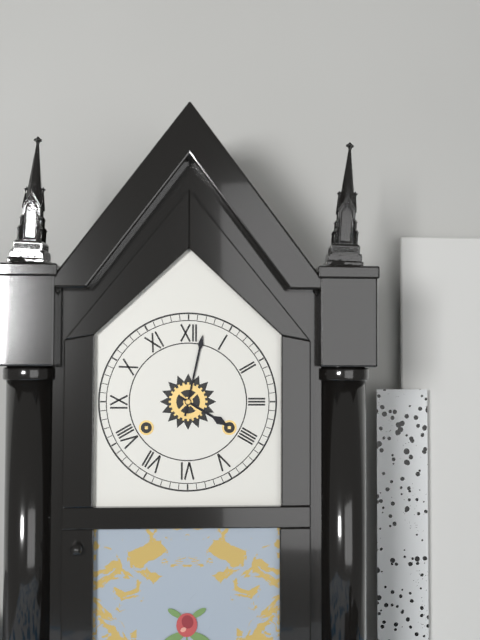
4:02
